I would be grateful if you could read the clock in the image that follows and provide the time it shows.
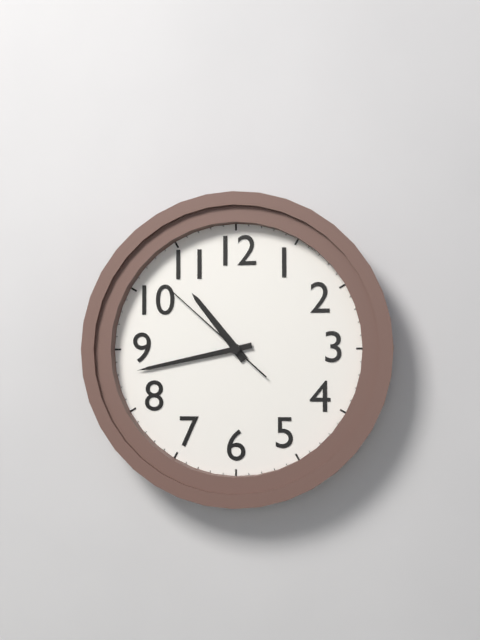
10:43:52
